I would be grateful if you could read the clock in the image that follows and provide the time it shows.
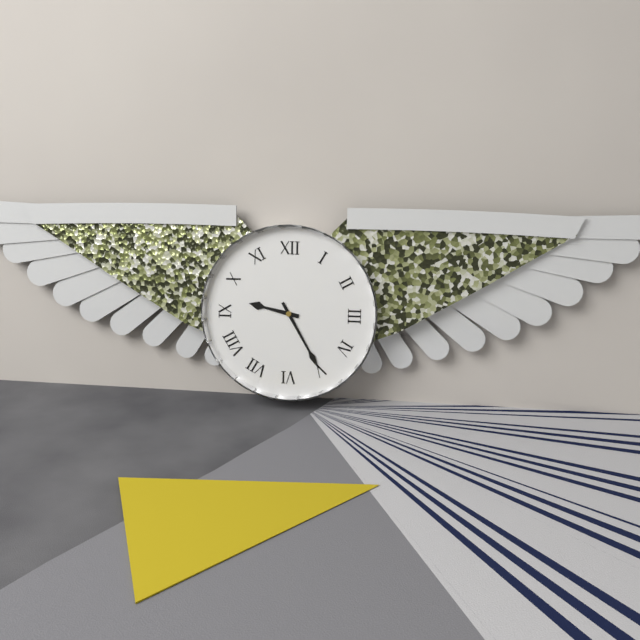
9:25
